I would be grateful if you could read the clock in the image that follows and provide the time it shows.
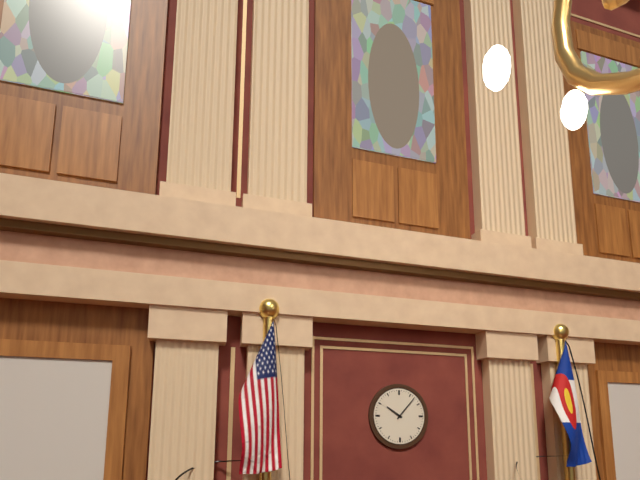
10:07
